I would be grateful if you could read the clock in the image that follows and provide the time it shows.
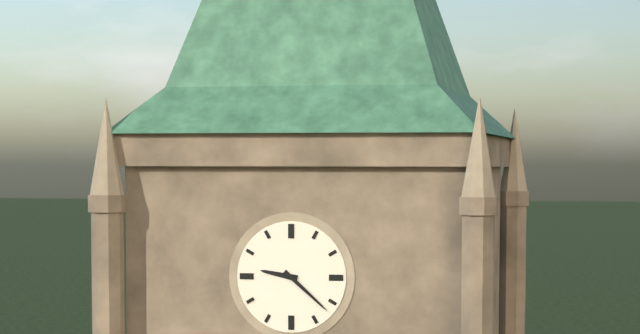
9:22
